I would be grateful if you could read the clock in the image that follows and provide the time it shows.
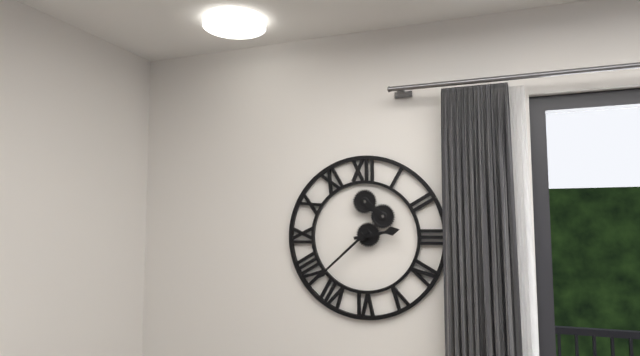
2:38
